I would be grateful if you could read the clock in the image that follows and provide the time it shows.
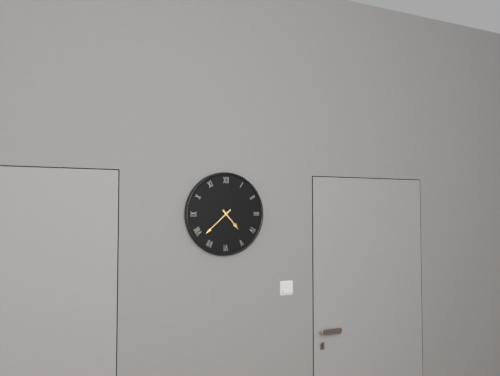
4:38
